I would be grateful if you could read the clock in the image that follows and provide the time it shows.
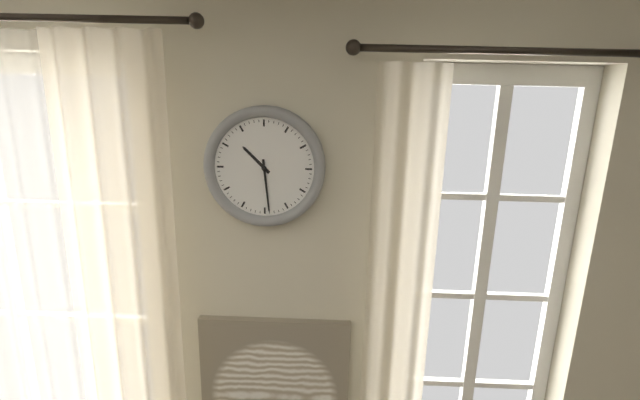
10:29
